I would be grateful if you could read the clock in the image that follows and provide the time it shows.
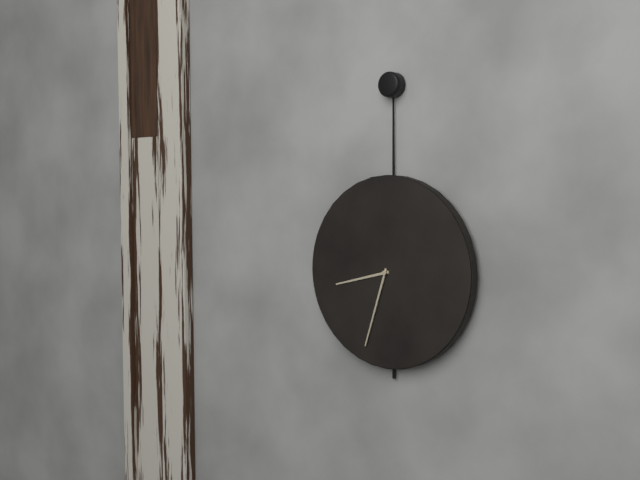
8:33
